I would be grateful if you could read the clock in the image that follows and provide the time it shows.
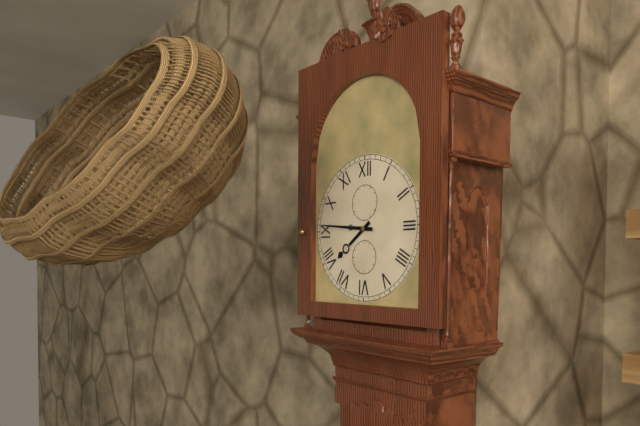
7:46
